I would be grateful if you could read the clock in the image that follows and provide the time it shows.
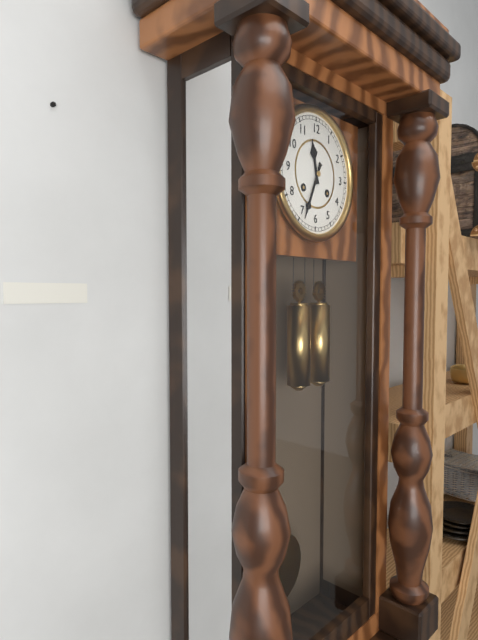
11:34
